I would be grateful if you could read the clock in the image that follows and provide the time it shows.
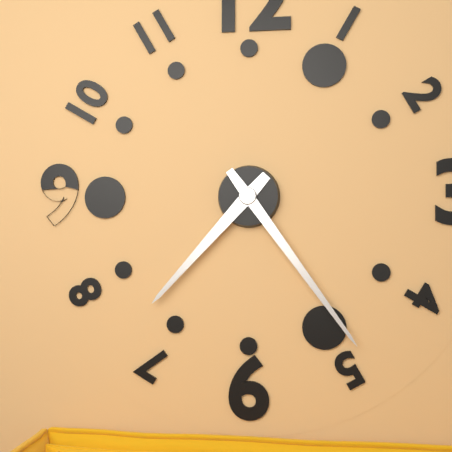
7:24
